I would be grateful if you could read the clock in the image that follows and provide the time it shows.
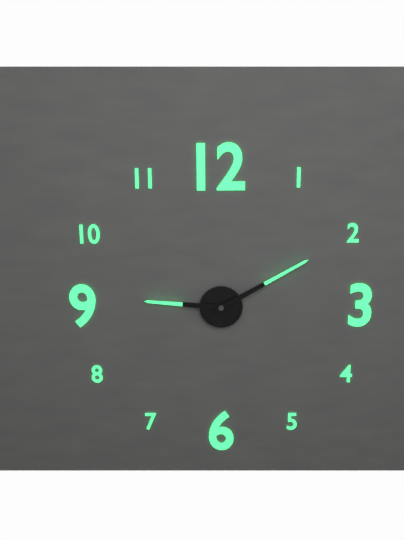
9:10
